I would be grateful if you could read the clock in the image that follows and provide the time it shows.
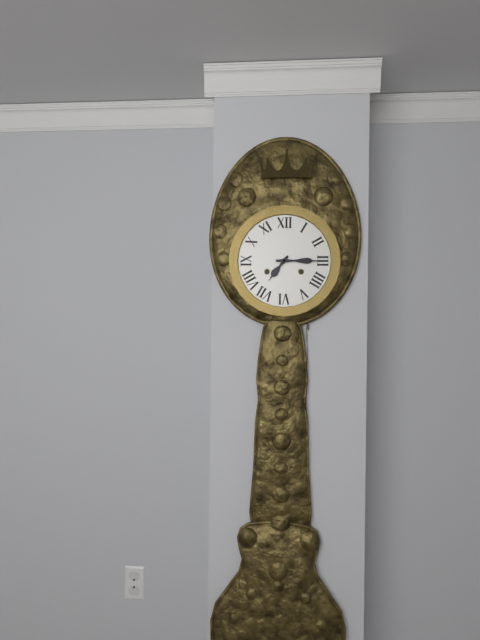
7:15
